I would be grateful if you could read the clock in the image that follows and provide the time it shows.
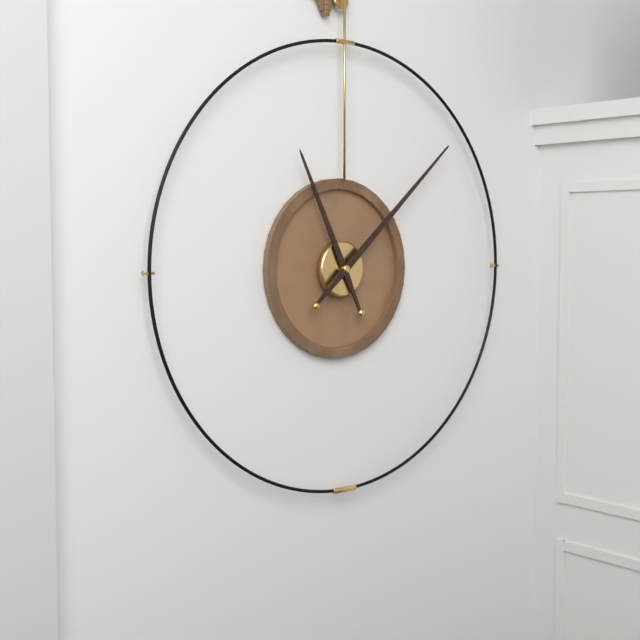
11:08
